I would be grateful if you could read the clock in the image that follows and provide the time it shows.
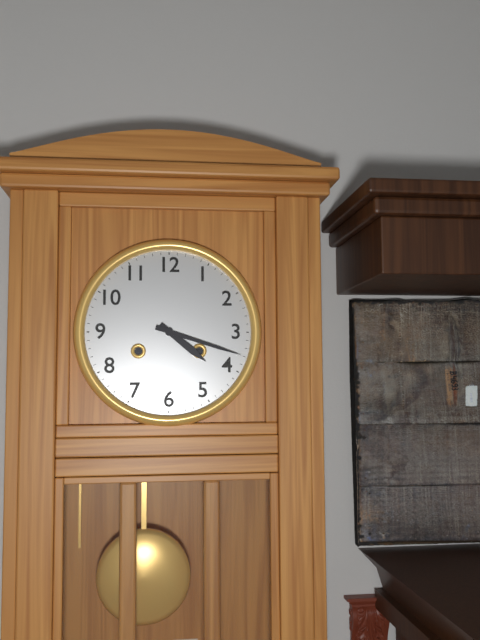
4:18
